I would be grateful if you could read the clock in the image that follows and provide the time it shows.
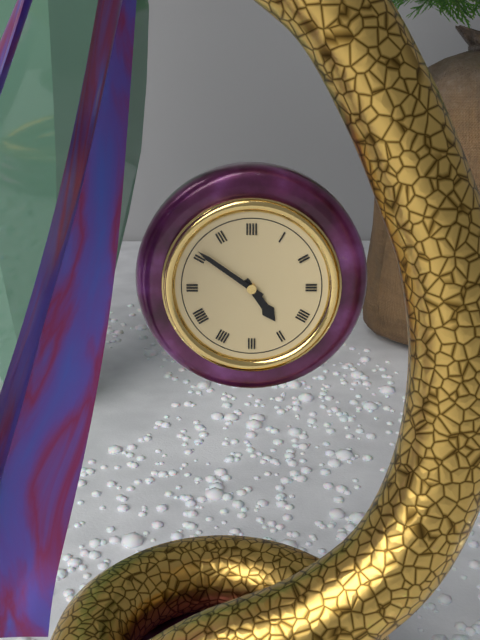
4:51
